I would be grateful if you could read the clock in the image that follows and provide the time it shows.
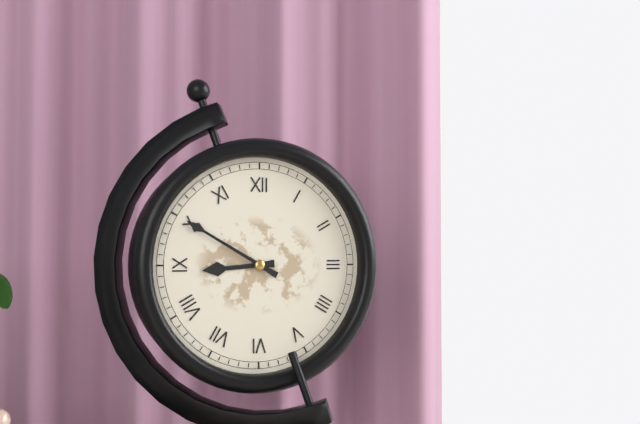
8:50
